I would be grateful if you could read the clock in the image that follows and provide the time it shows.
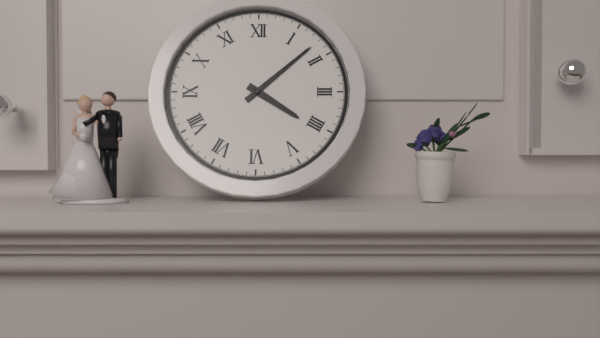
4:08
